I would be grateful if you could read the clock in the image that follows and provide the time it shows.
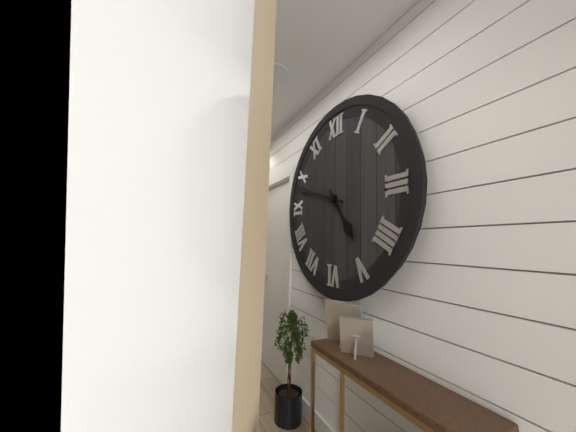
4:48
